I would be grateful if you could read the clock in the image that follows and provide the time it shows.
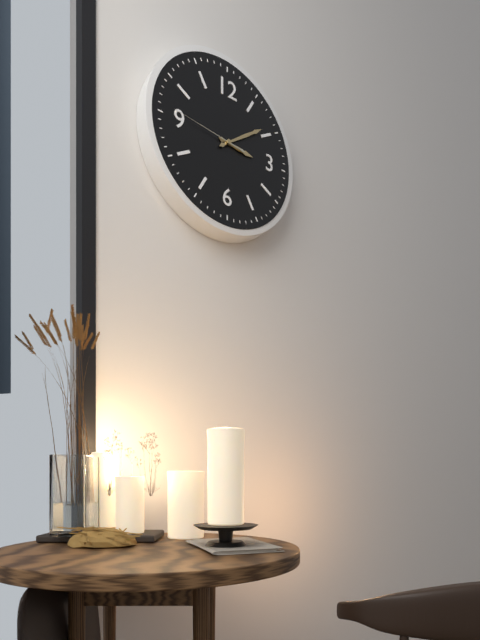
3:09:46
